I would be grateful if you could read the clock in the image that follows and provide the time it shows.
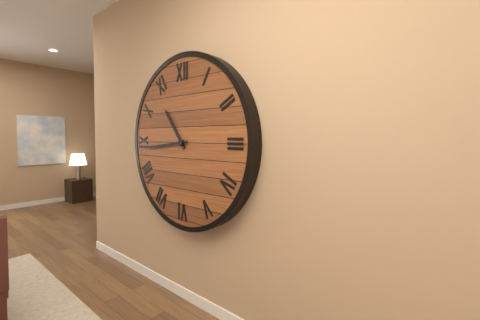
10:44
